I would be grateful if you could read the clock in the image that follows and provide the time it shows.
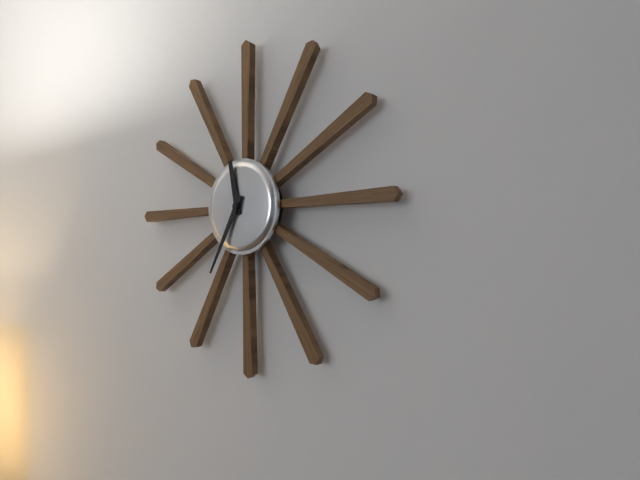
11:35
